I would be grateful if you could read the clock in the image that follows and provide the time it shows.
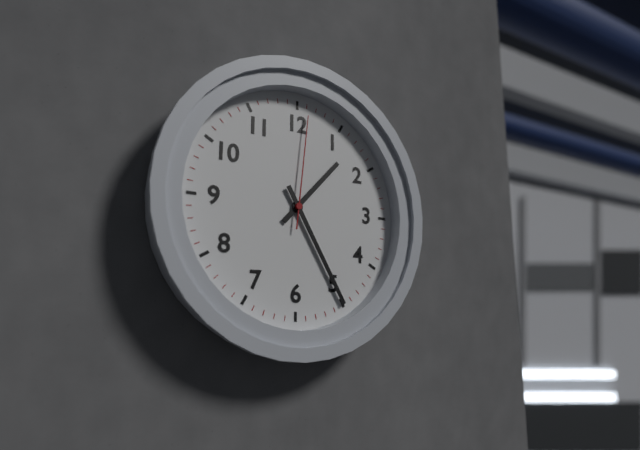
1:25:01
